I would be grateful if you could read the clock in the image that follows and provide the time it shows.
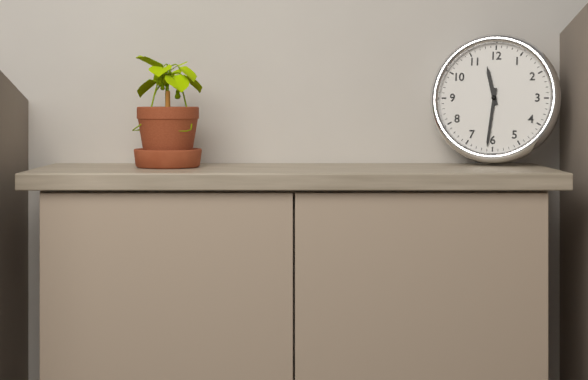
11:31
